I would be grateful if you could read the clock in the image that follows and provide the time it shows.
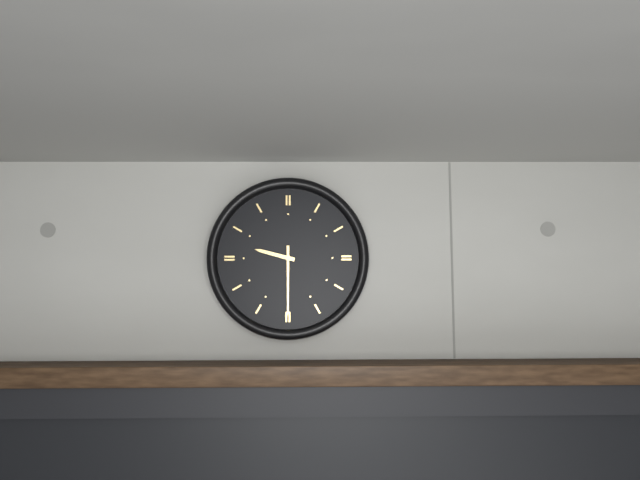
9:30
